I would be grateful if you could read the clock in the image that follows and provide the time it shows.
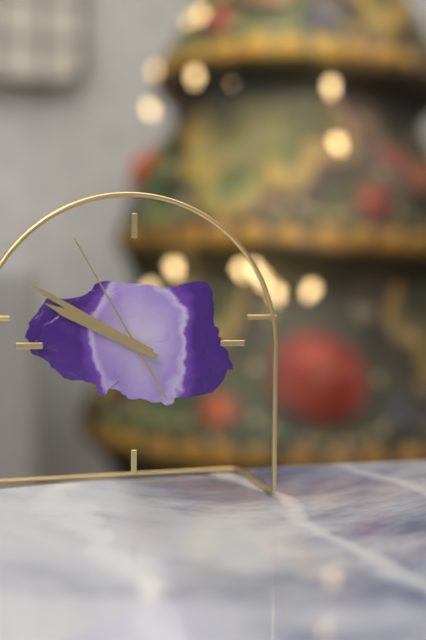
9:50:55
